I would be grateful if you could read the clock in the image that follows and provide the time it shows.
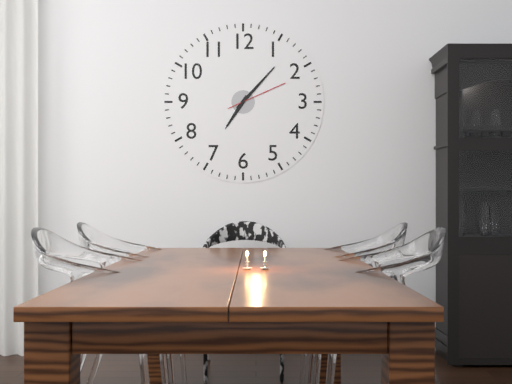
7:07:11
